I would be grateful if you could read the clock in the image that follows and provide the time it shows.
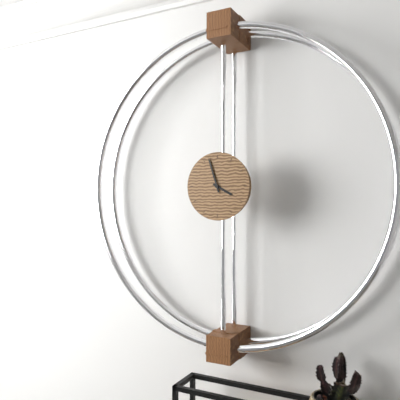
3:57
